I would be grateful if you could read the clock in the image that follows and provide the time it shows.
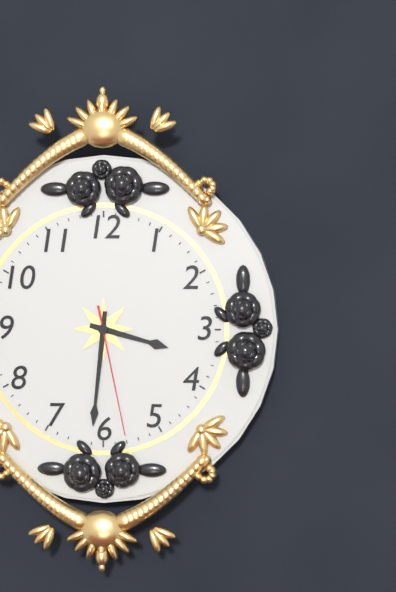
3:31:28
